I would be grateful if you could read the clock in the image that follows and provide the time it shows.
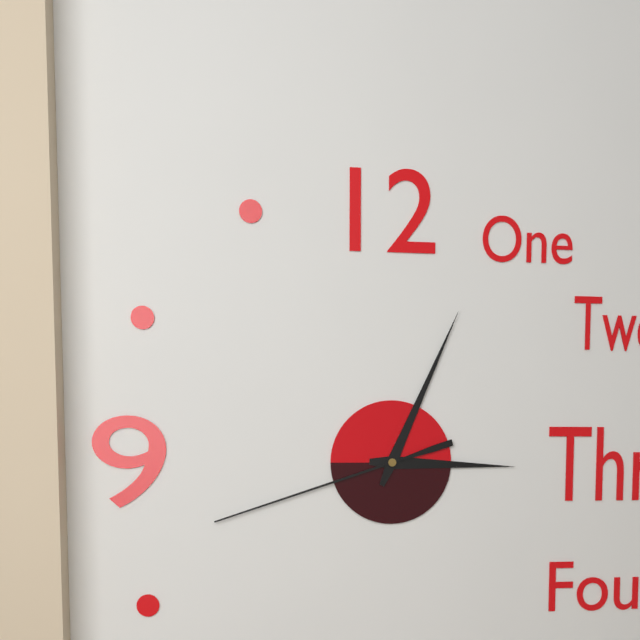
3:04:42
